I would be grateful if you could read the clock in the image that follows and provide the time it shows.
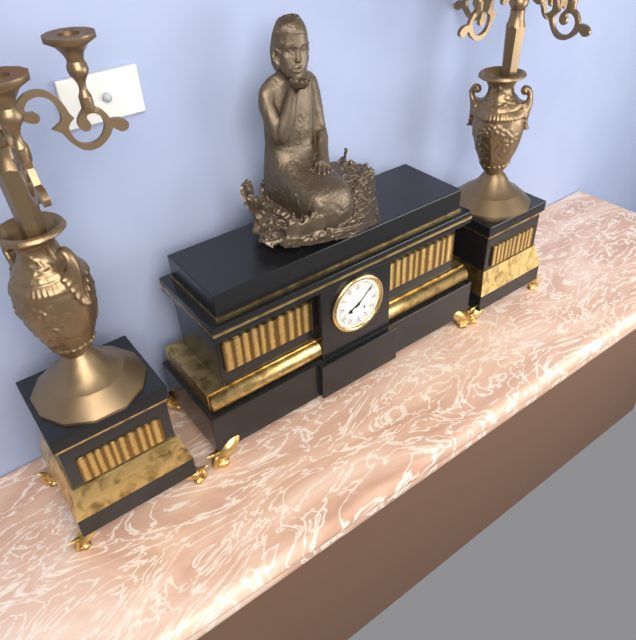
8:08
